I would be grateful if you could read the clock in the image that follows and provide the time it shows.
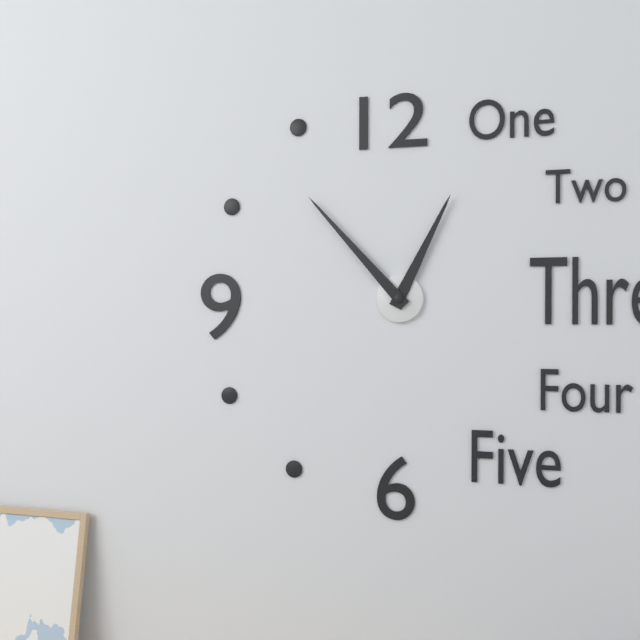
12:53
